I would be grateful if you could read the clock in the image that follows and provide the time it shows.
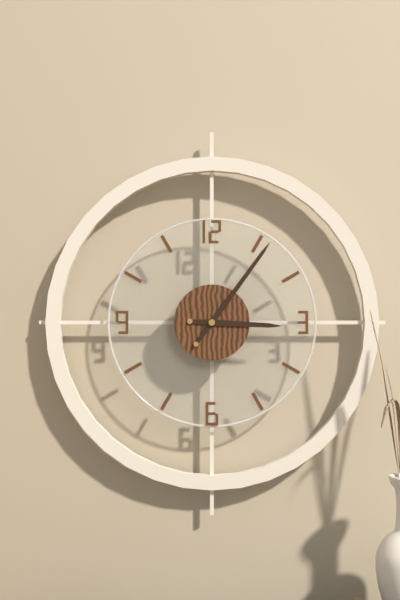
3:06
